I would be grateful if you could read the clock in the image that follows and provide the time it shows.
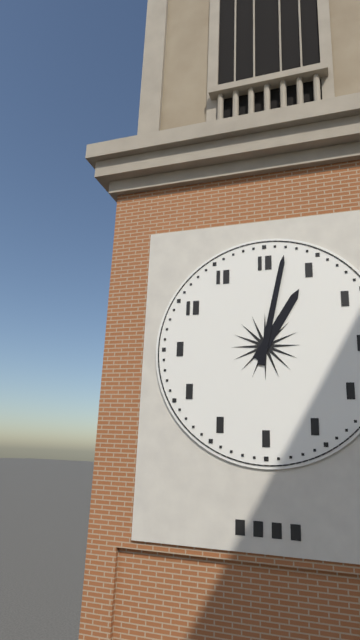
1:02
